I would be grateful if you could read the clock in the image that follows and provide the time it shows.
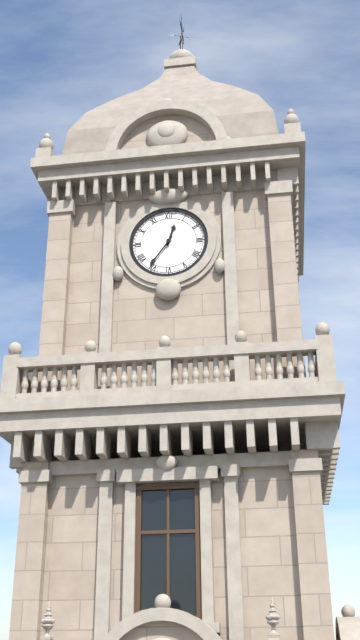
12:36
